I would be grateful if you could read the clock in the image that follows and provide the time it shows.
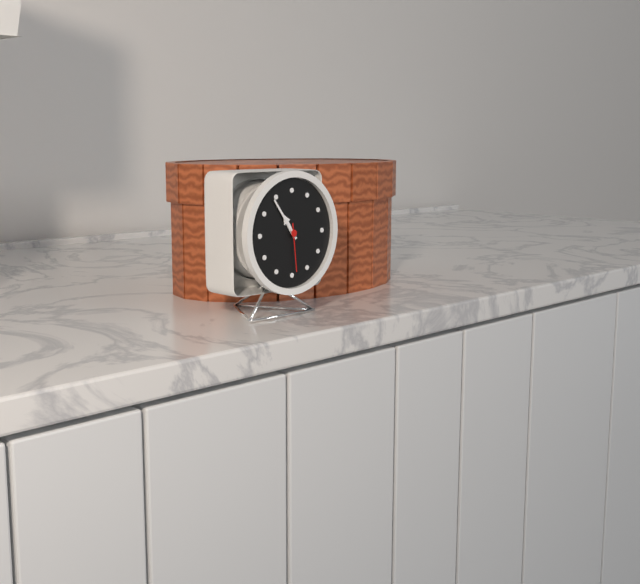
10:54
